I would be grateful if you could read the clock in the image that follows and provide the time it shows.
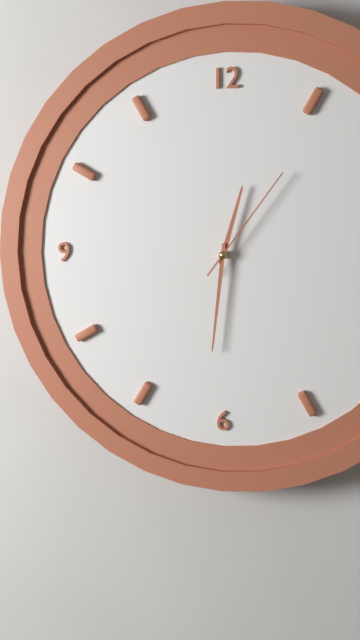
12:31:06
